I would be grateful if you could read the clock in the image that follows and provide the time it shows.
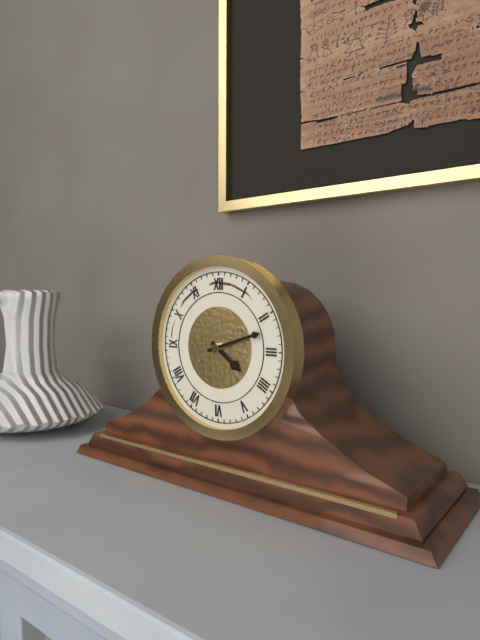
4:12
